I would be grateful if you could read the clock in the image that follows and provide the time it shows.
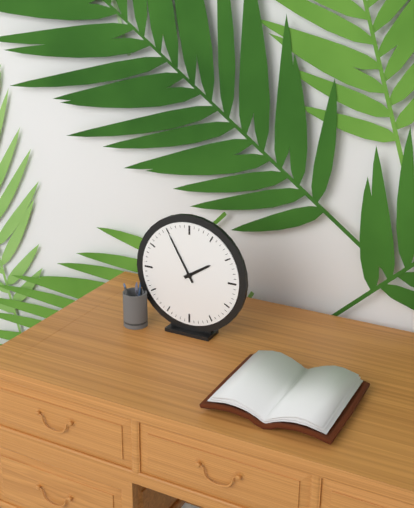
1:55
